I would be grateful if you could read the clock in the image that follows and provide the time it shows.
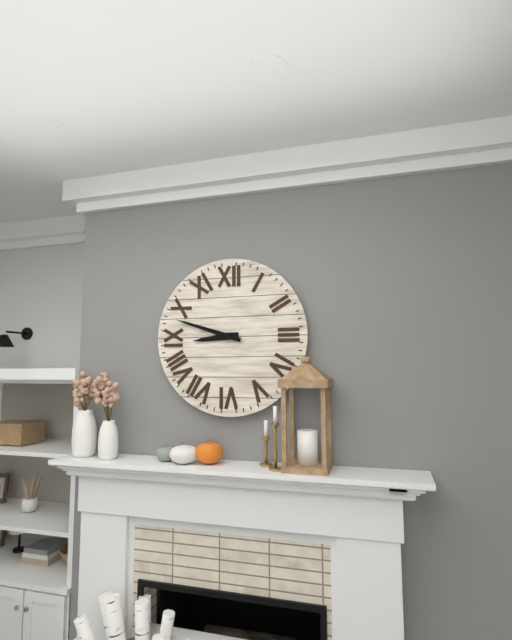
8:48
